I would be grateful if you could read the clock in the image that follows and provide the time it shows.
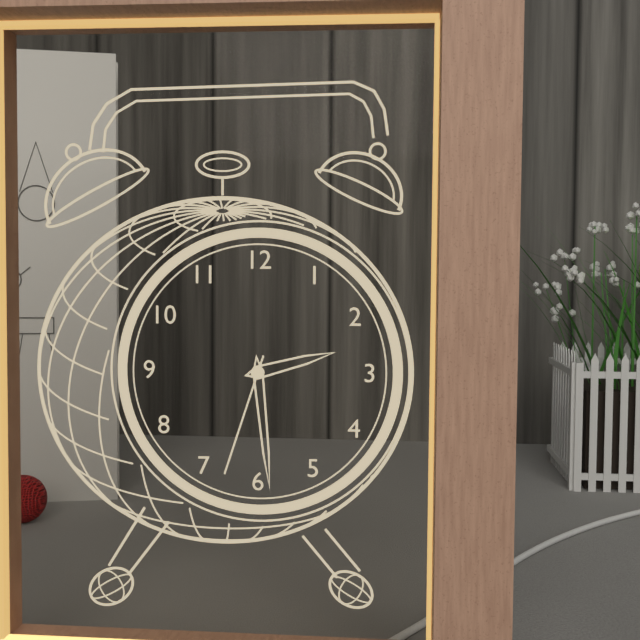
2:29:33
